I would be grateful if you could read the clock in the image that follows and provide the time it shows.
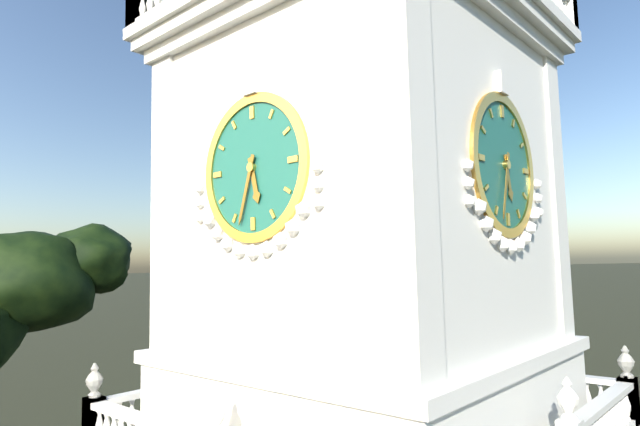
5:33
